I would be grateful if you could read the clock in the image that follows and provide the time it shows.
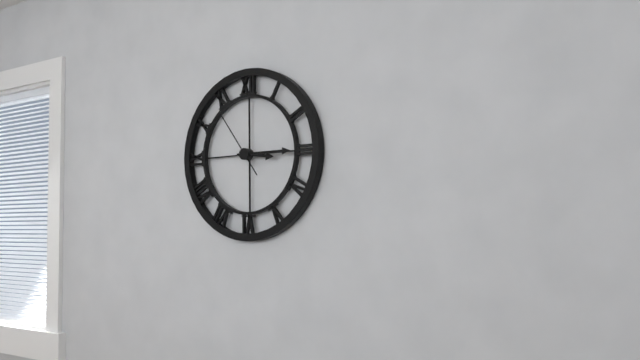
3:15:54
